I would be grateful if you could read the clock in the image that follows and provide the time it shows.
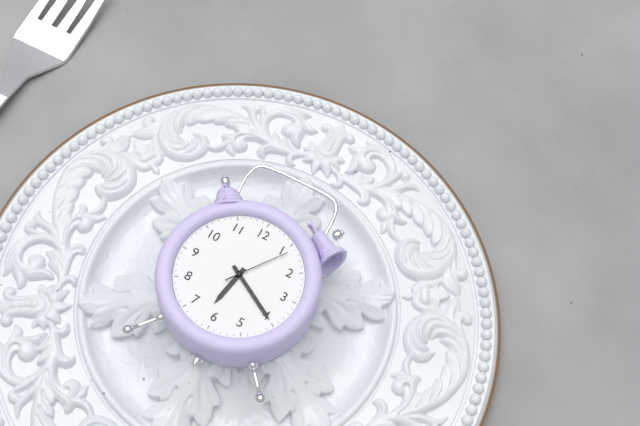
6:20:06
